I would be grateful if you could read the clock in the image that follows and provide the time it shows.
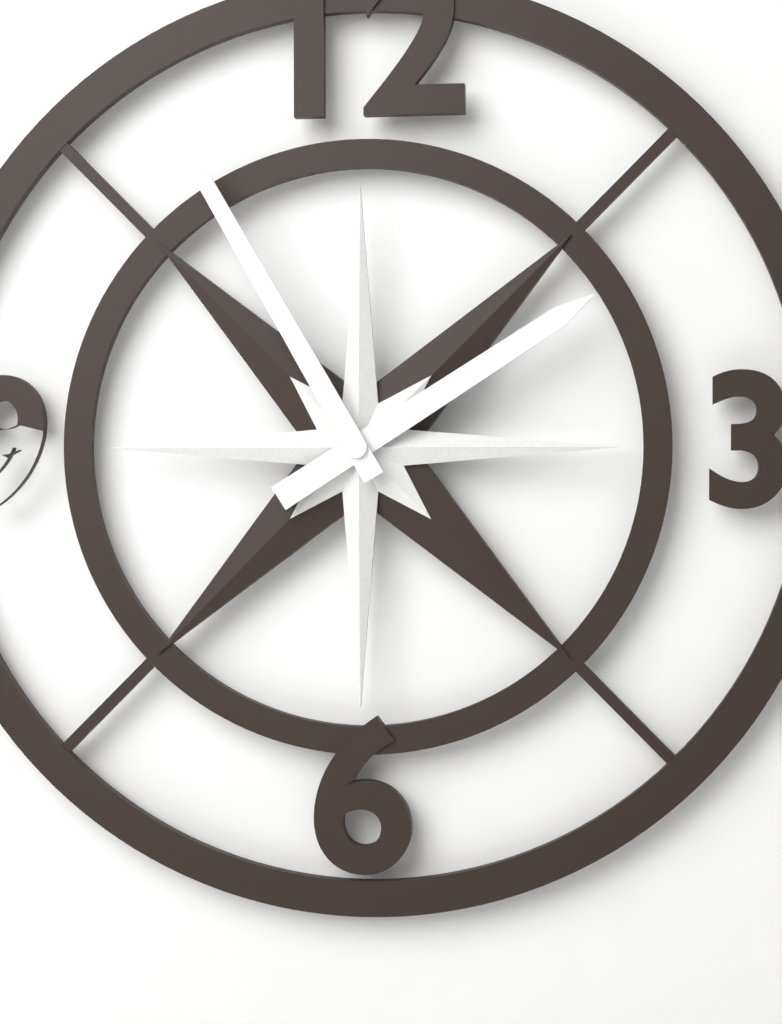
1:55
